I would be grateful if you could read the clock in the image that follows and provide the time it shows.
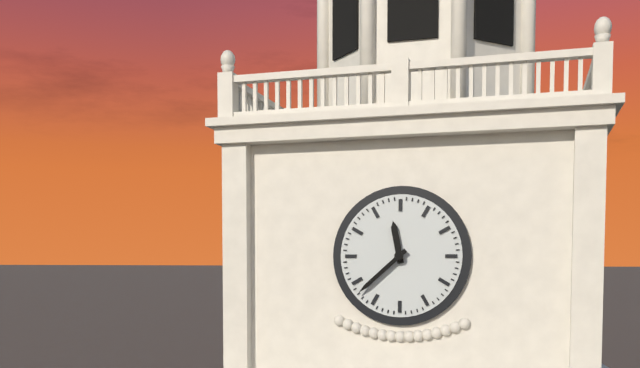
11:38
